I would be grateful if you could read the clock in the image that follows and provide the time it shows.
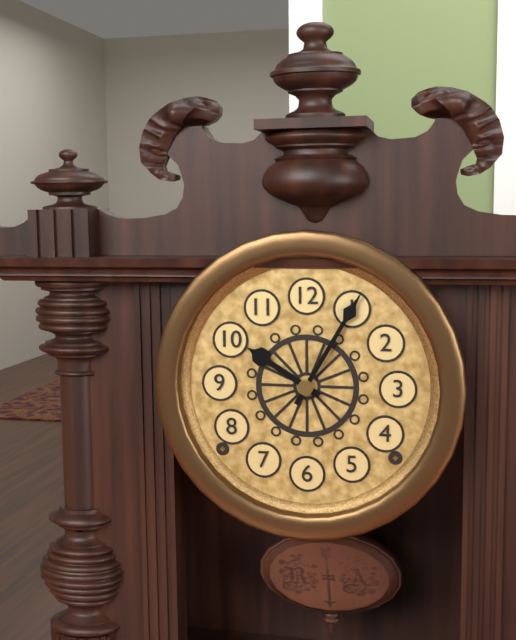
10:05
